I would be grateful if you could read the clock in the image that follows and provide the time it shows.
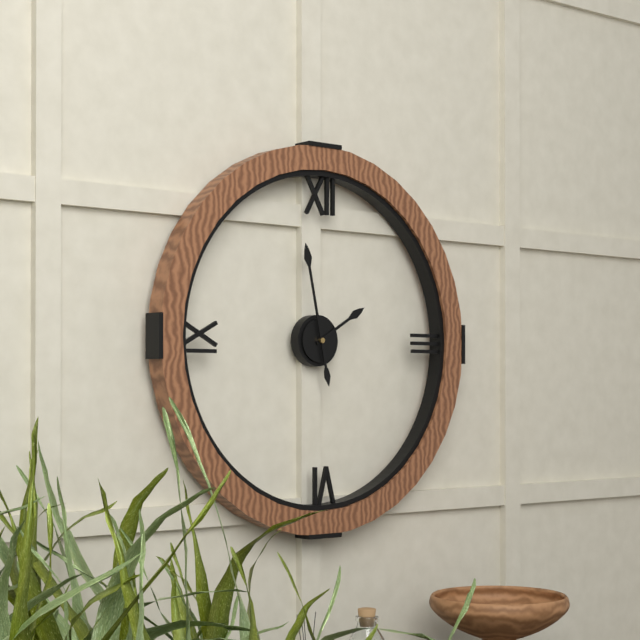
1:58
